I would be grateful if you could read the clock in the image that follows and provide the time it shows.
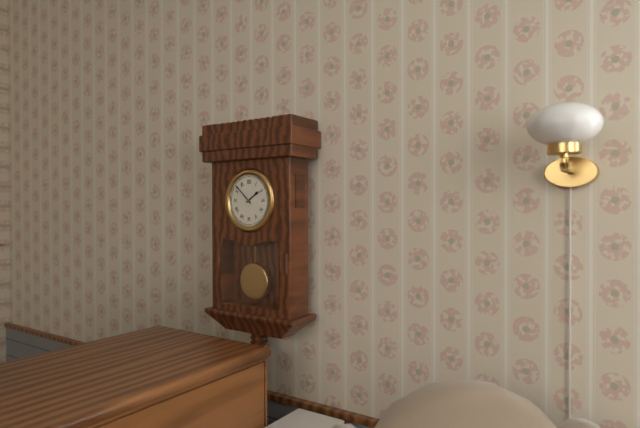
1:52
